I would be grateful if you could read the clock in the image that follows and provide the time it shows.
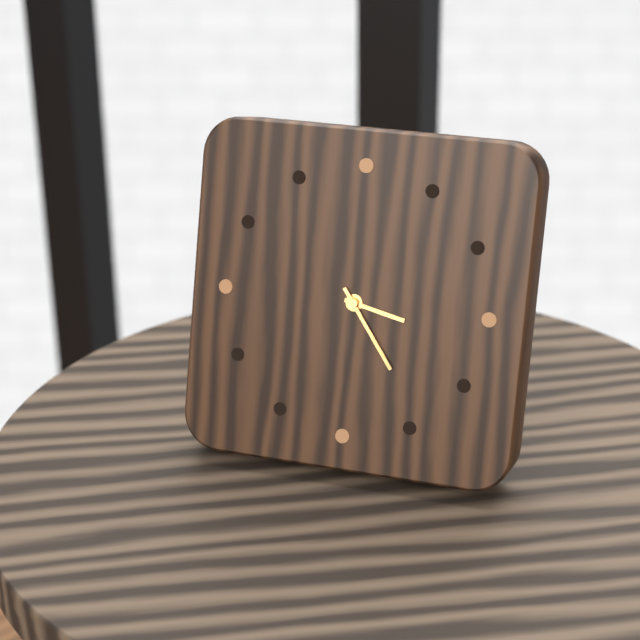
3:24
